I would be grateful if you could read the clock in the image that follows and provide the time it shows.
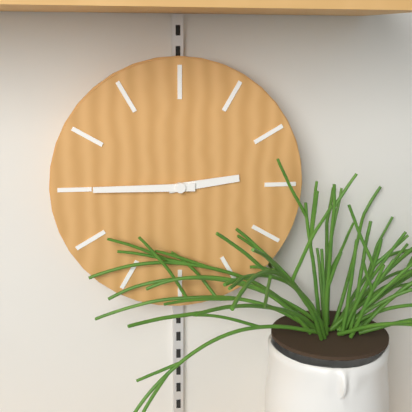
2:45
